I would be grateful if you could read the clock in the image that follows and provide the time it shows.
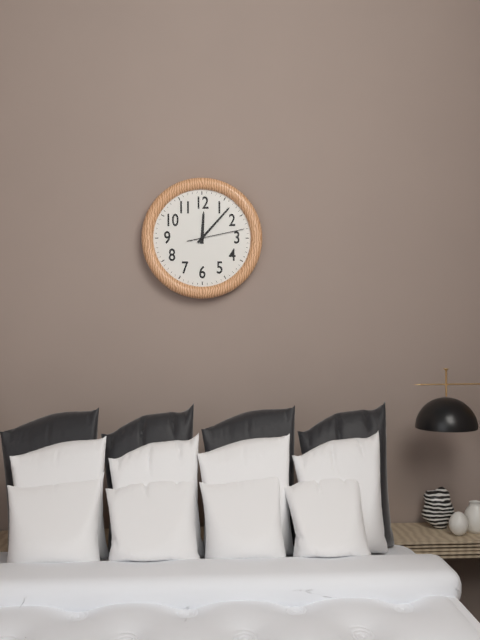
12:07:13
